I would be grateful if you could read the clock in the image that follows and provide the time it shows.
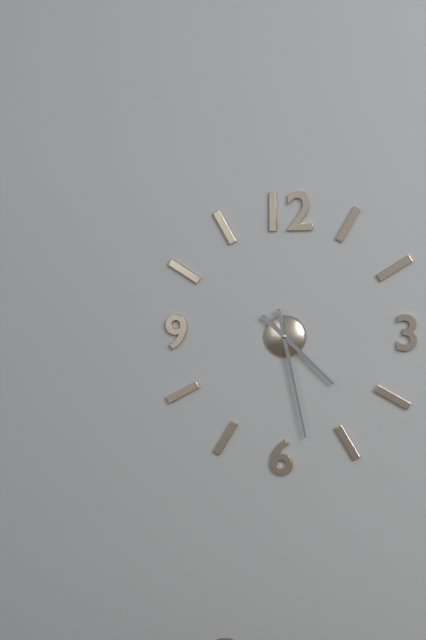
4:28
